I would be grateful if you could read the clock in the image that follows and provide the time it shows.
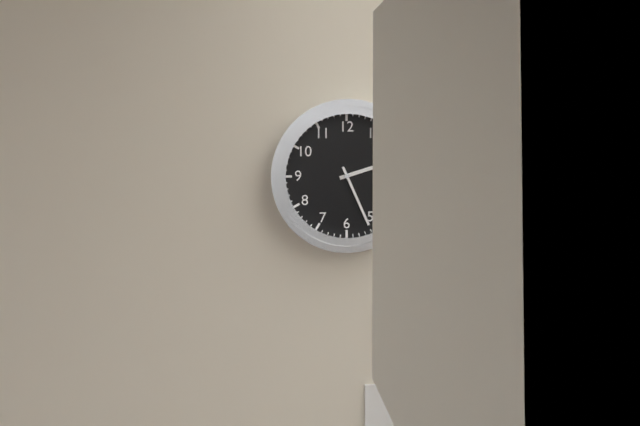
2:26
